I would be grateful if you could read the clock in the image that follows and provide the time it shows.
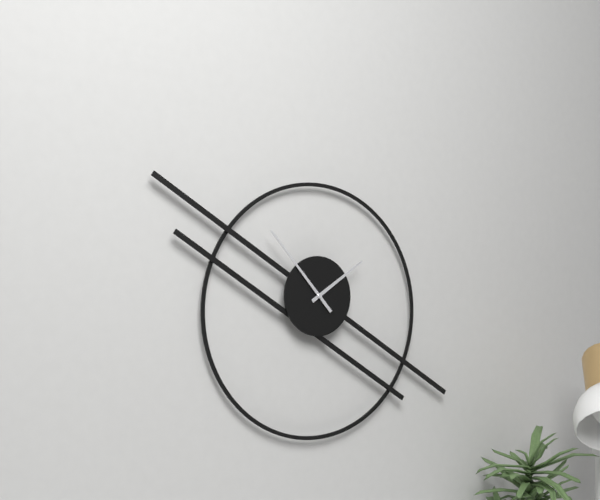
1:53
